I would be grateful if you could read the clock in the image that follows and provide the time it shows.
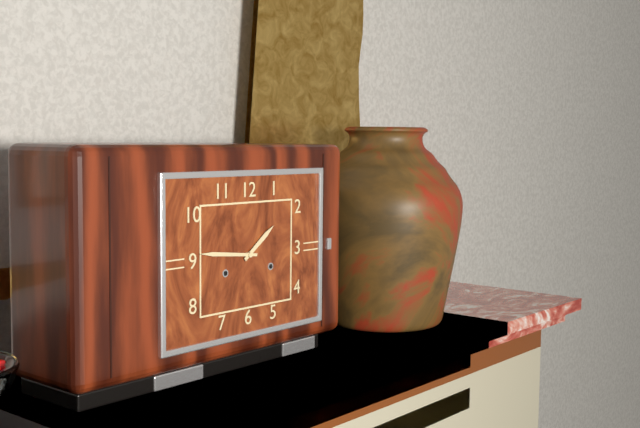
1:46
